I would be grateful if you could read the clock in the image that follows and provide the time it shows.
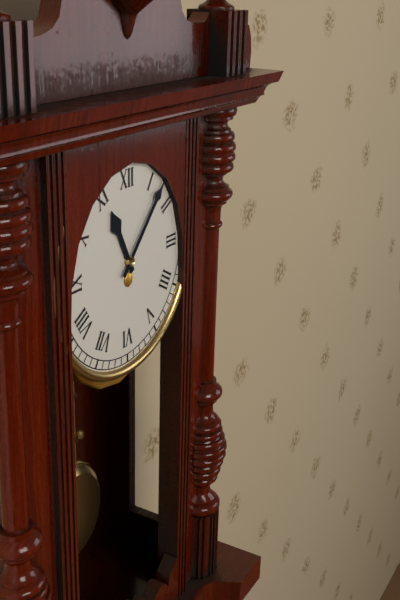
11:07
